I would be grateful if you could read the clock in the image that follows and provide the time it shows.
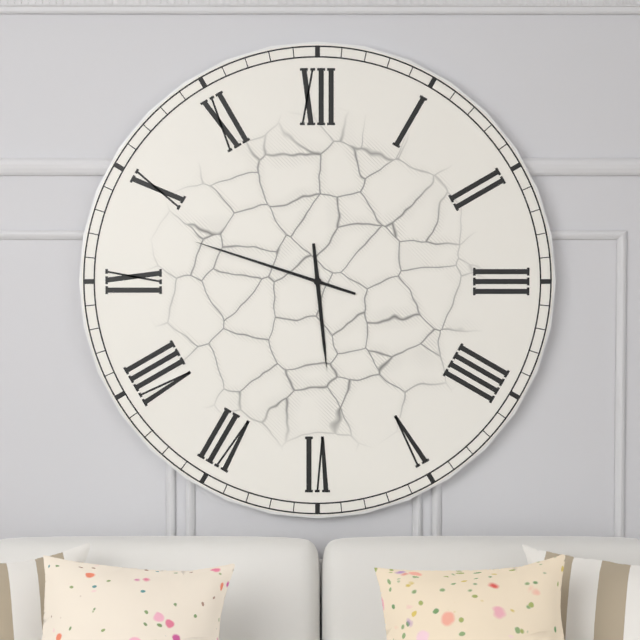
5:48
